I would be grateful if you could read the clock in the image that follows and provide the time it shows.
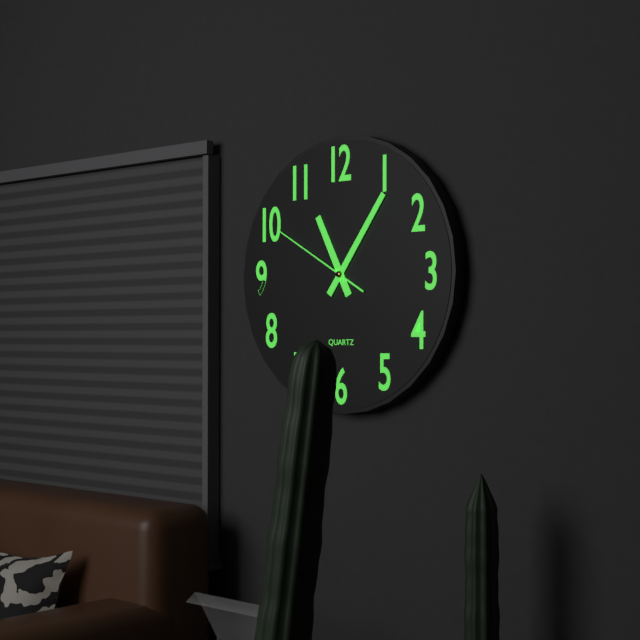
11:06:50
